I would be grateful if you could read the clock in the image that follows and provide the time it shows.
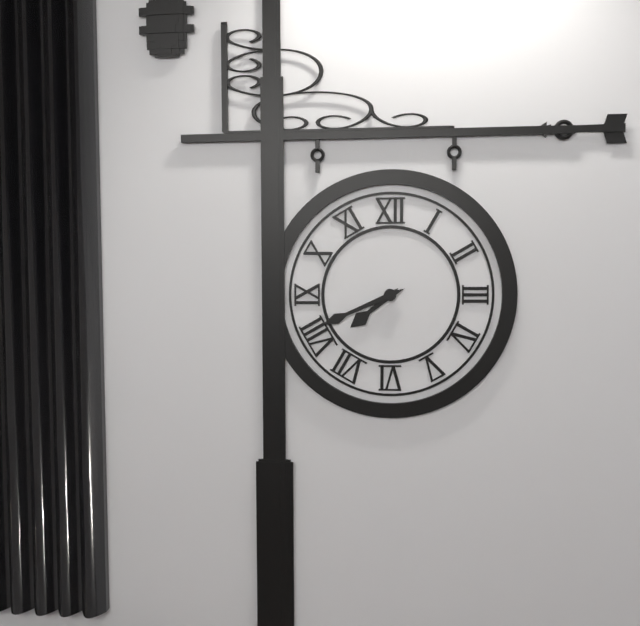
7:41
